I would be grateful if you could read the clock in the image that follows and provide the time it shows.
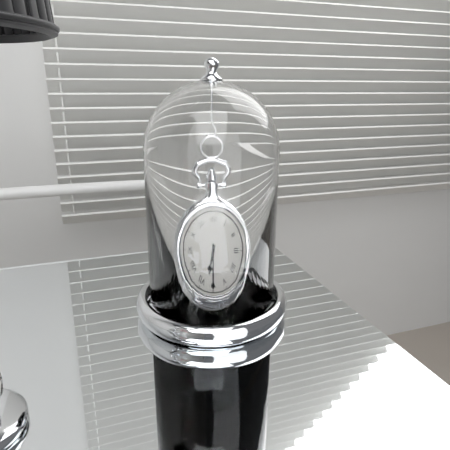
6:30
